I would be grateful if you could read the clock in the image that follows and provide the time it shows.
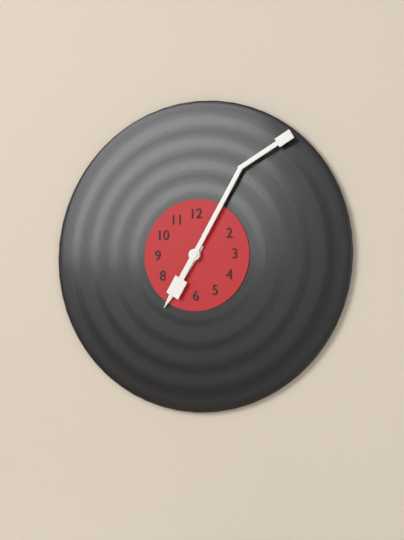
7:05
